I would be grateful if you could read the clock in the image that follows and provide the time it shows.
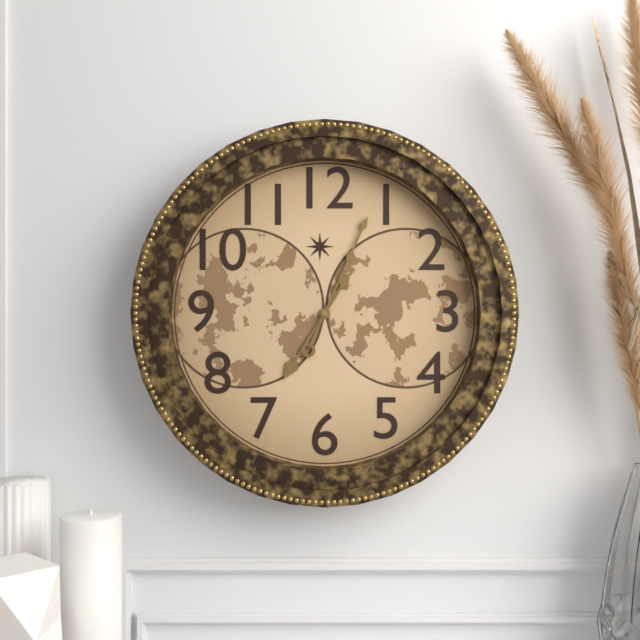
7:04
